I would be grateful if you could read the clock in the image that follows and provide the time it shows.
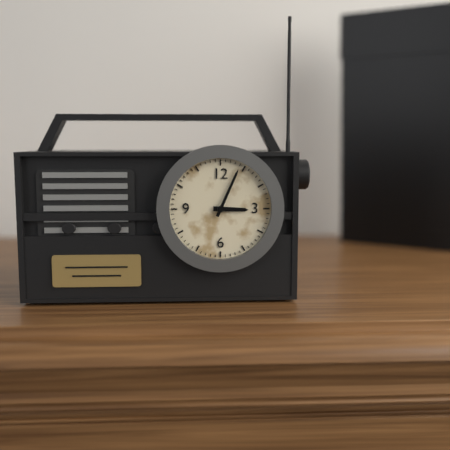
3:04
